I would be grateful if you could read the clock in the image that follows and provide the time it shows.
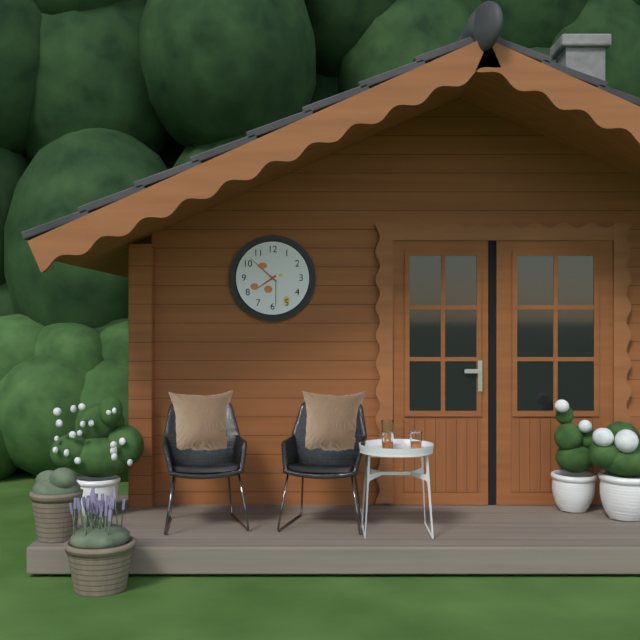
7:52
